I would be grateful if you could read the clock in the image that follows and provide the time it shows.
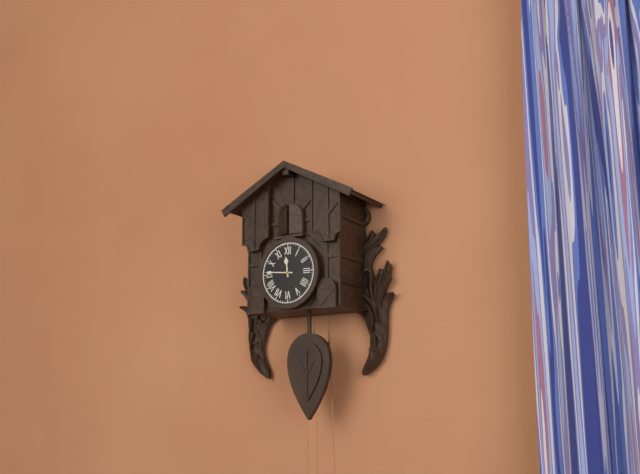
11:46
